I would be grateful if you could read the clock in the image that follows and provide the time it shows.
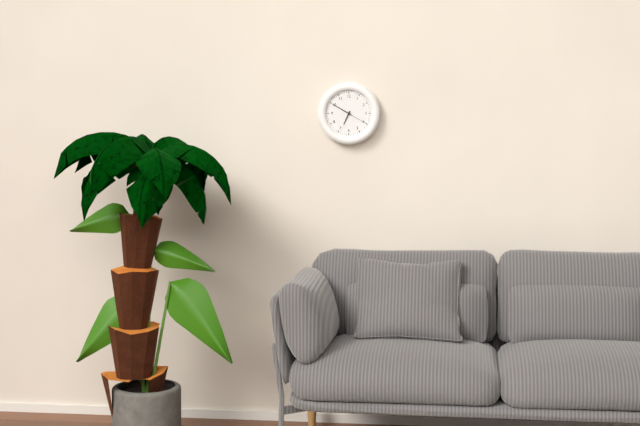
6:50
